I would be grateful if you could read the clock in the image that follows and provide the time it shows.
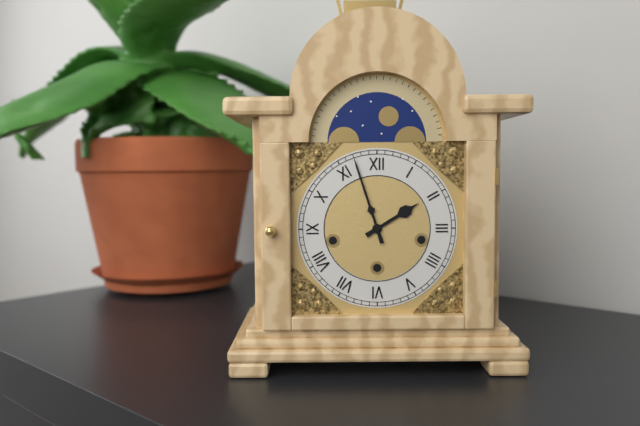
1:57
